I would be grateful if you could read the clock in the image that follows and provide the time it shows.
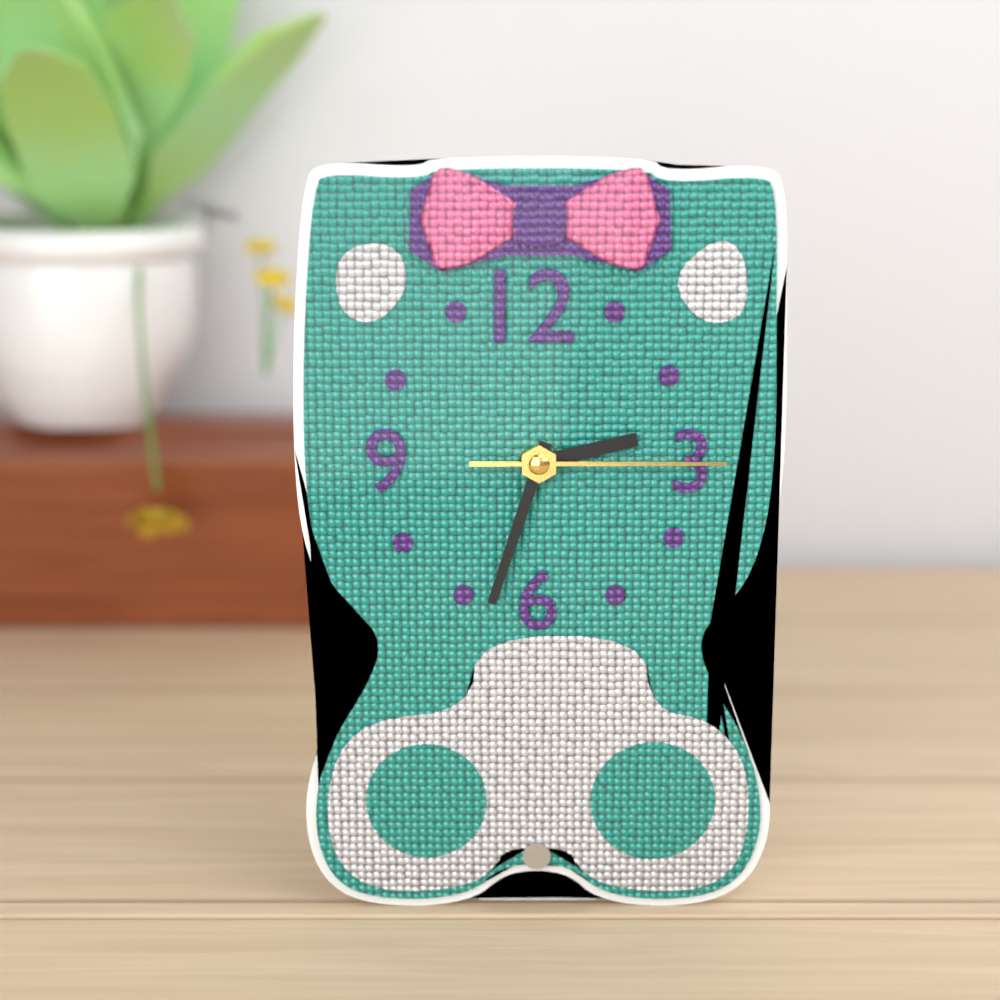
2:33:15
